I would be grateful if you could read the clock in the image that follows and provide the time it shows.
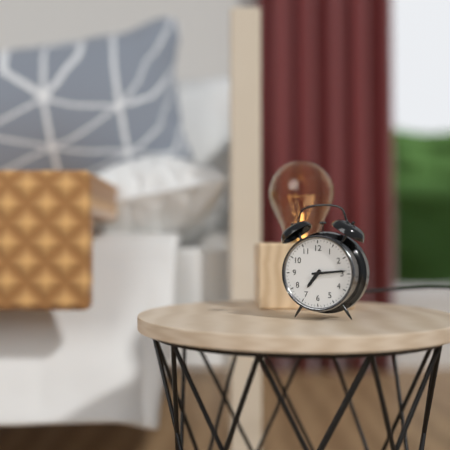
7:14
